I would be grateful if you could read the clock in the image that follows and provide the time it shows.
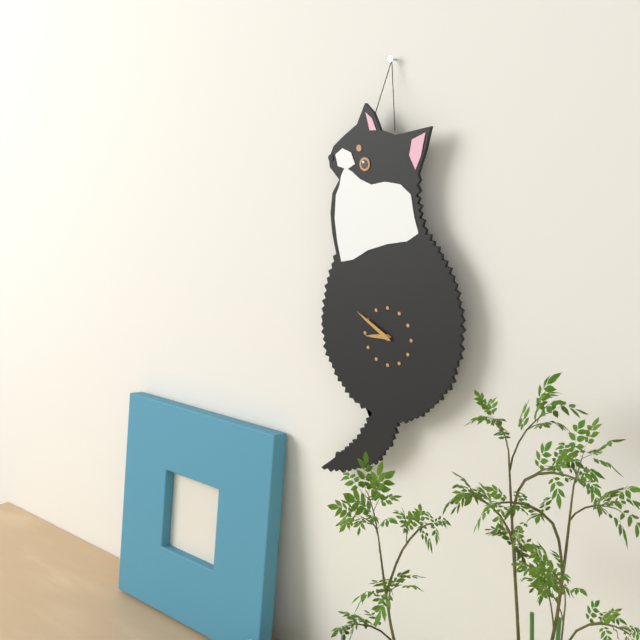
8:50
